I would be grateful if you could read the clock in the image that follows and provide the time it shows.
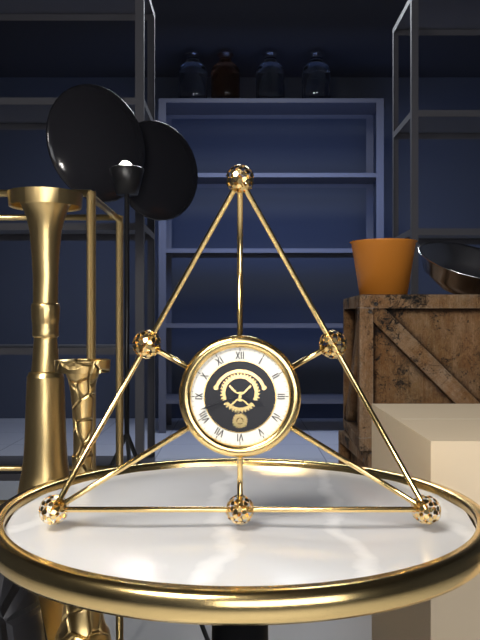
3:42
